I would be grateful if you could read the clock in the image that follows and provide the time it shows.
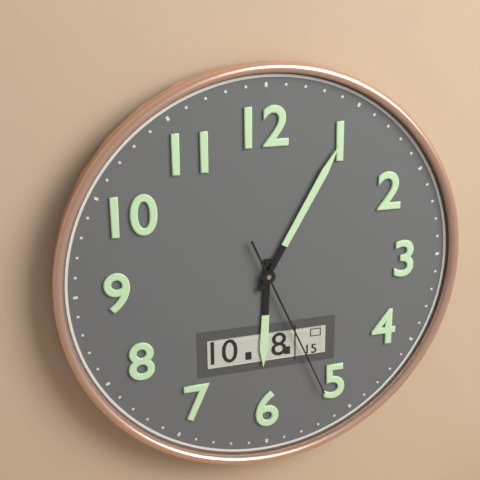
6:05:26
